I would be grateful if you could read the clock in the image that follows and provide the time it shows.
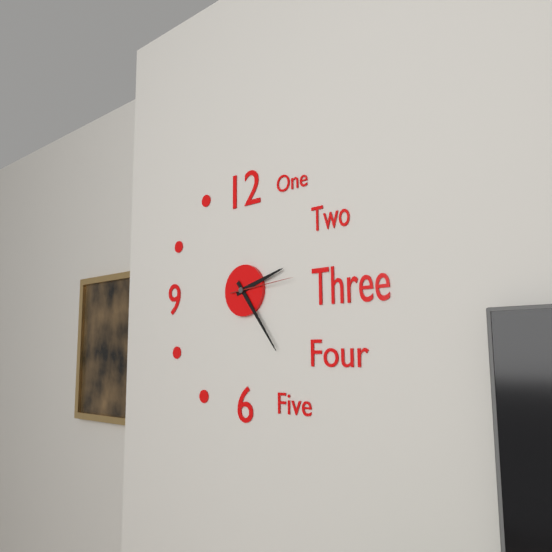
2:24:14
